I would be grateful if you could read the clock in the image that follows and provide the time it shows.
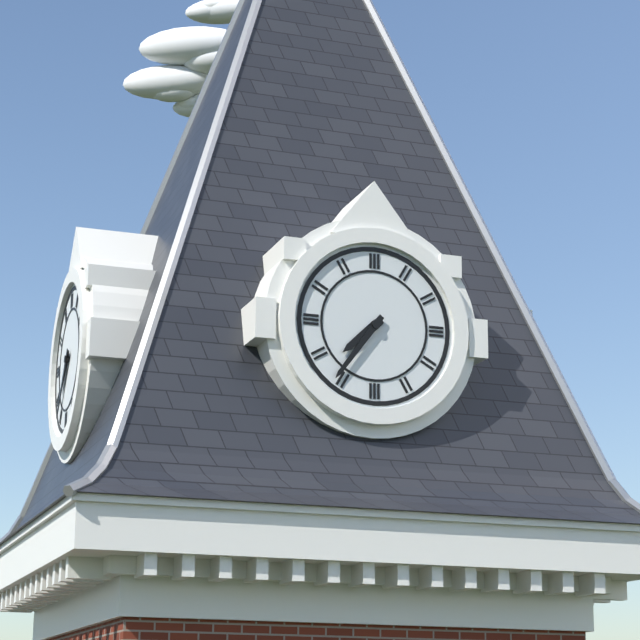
7:36
